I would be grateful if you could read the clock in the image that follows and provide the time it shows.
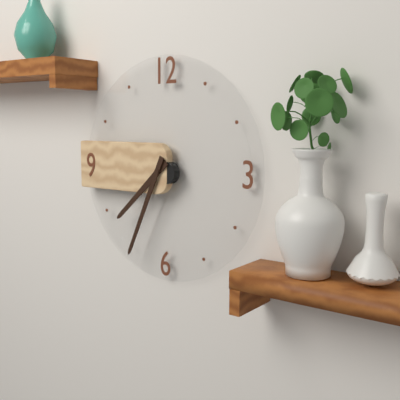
7:34
